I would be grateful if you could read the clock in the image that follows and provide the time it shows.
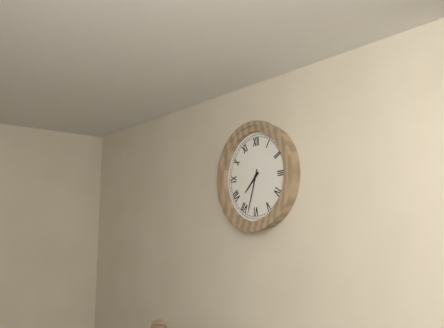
7:33
